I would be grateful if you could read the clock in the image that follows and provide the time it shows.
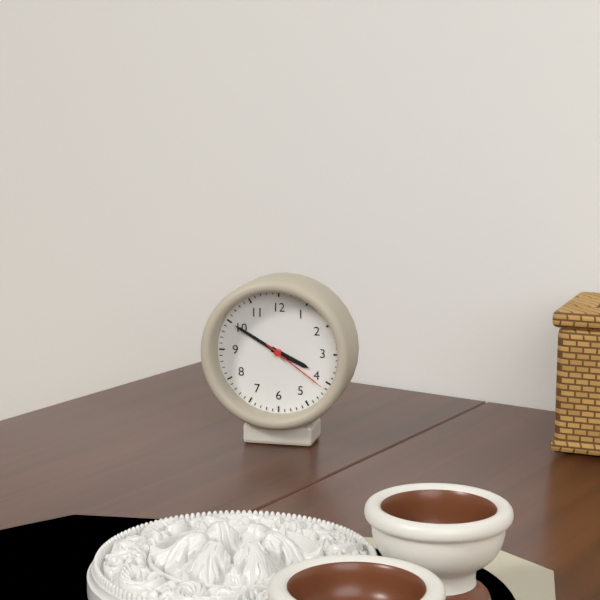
3:50:21
